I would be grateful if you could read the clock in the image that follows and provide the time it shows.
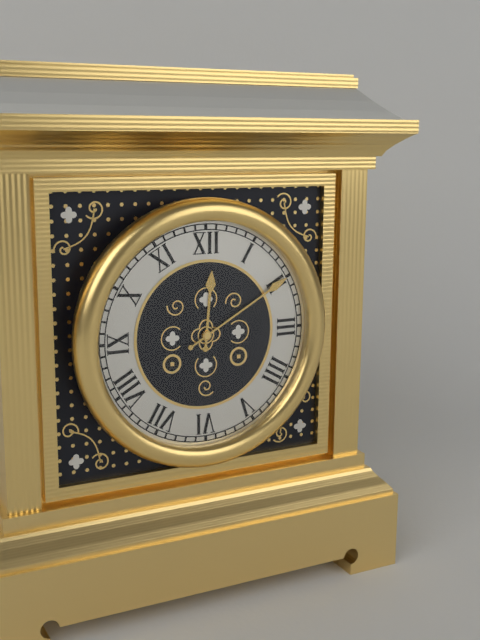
12:10
